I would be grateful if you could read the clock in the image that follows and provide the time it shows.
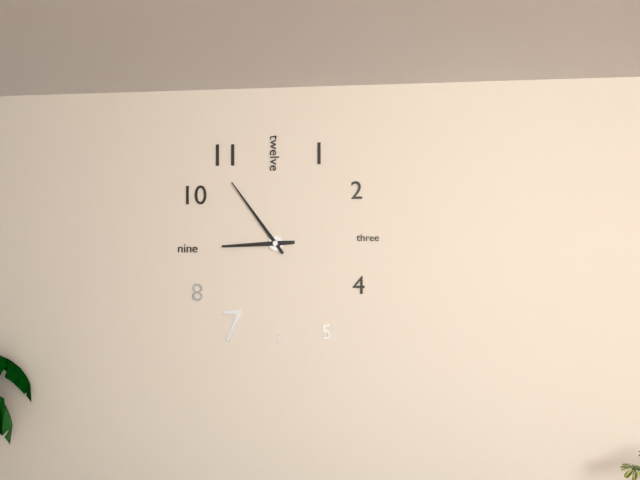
8:54
